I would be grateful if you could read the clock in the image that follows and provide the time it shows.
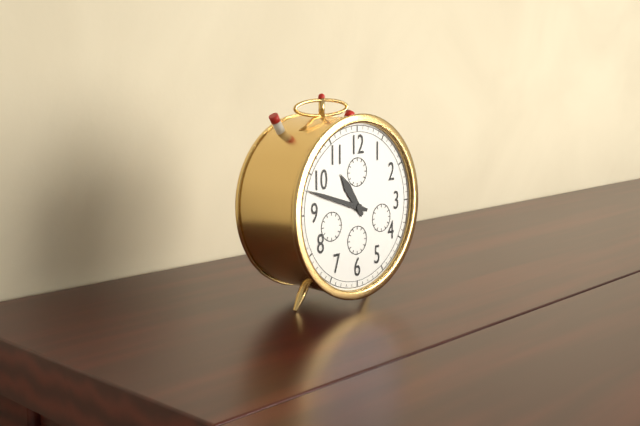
10:48
